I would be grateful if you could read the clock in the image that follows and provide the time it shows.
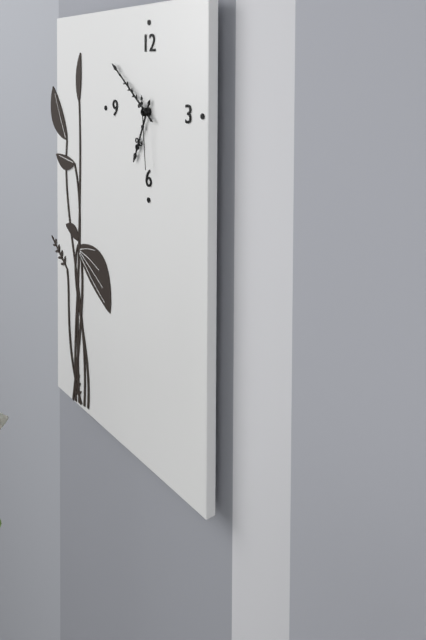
6:51:29
